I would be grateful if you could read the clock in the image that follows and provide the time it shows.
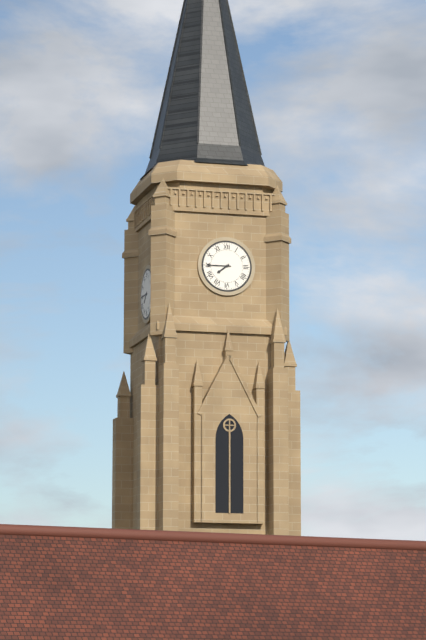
7:45
